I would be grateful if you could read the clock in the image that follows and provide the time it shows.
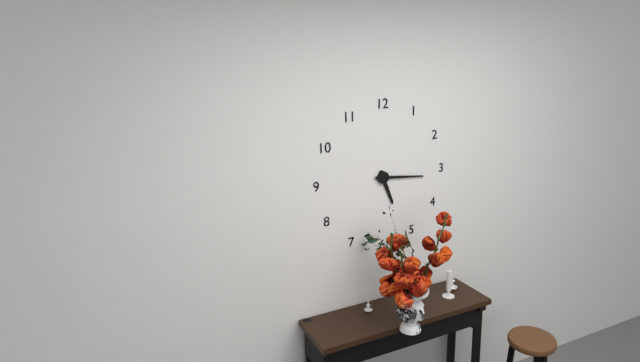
5:16
